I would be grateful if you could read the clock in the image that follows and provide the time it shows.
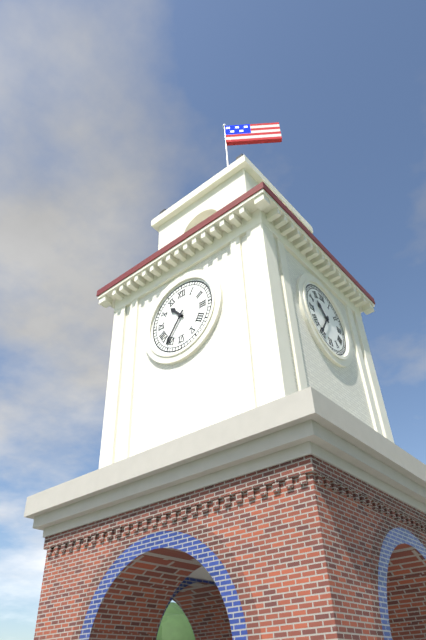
10:36
